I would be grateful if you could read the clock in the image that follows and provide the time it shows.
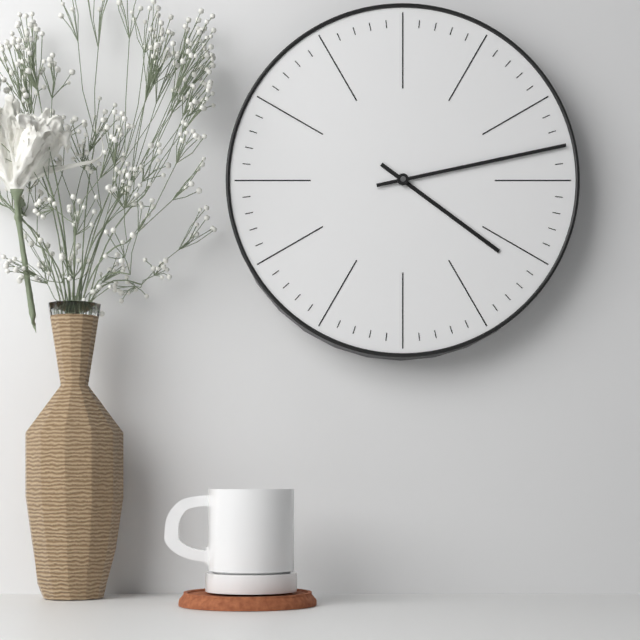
4:13
